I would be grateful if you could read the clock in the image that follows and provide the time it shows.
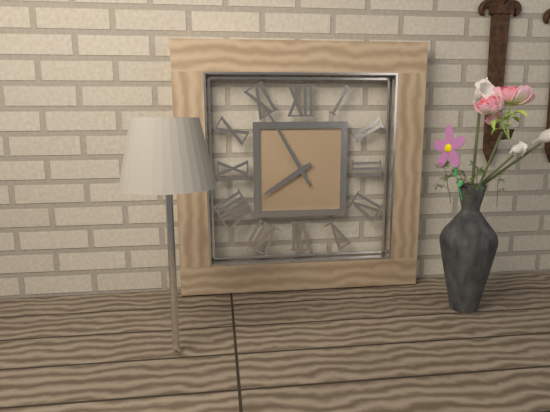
7:55
